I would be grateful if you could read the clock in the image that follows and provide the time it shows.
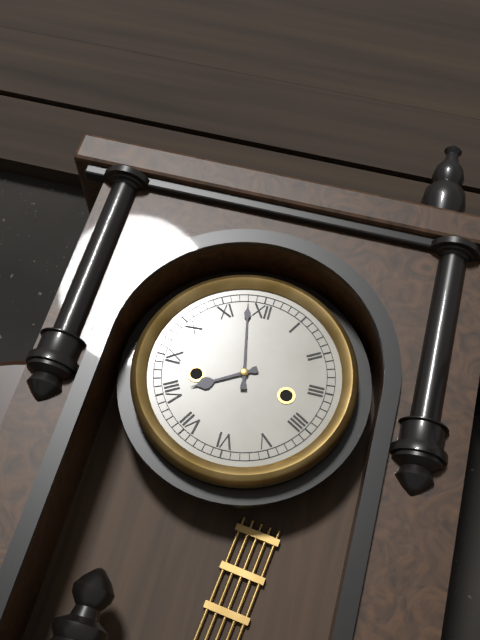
7:58
